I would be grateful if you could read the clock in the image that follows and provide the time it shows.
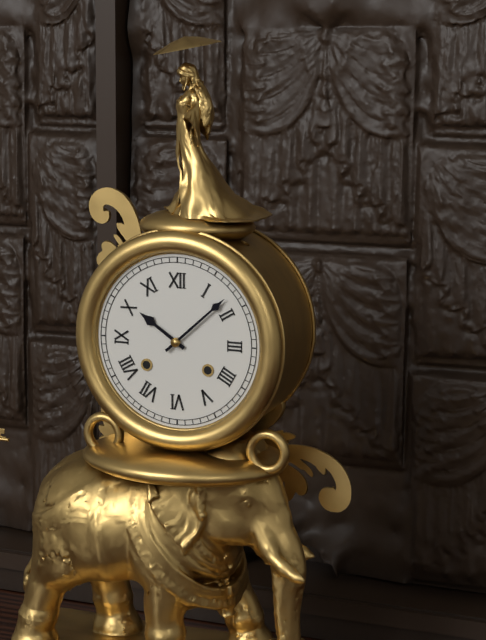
10:08
